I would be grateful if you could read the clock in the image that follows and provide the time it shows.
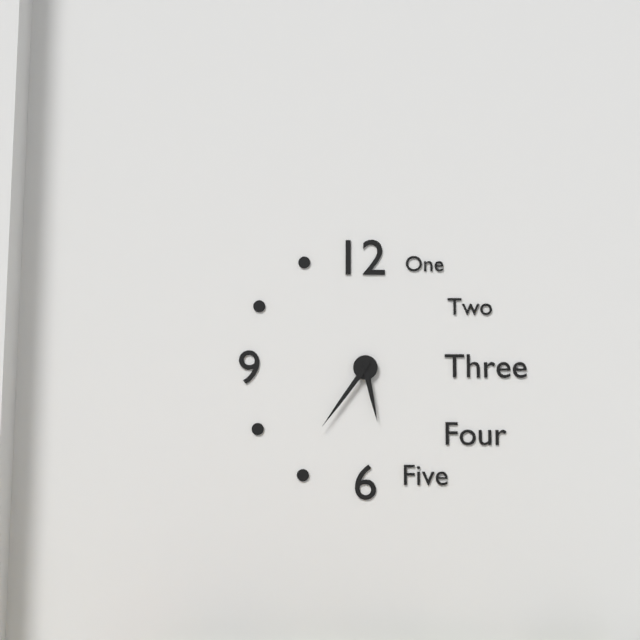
5:36
